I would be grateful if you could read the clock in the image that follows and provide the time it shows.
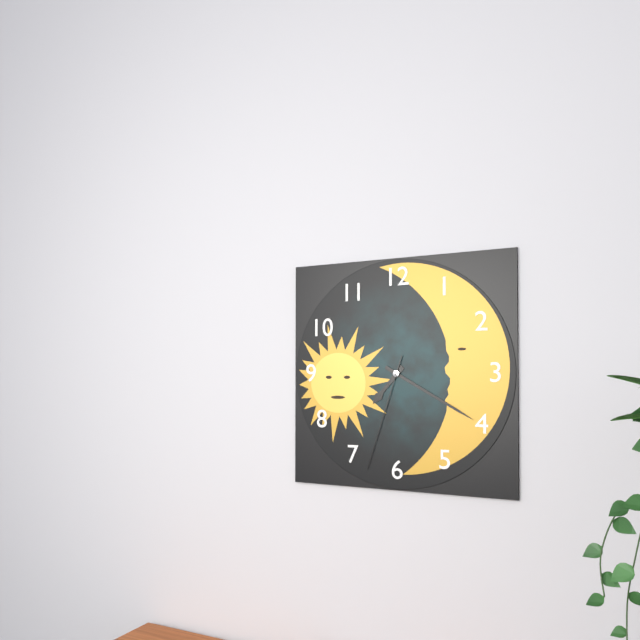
7:20:33
